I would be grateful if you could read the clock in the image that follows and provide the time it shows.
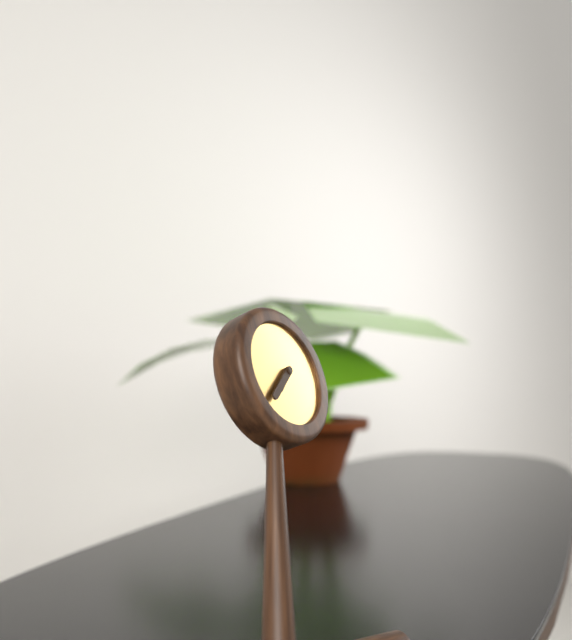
7:39
